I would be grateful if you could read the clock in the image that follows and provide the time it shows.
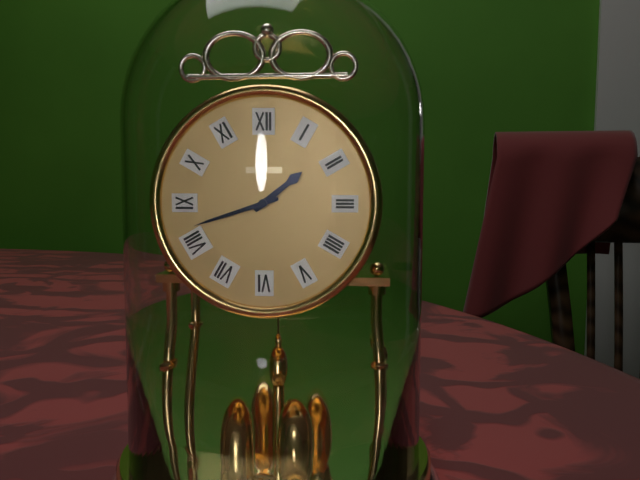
1:42
